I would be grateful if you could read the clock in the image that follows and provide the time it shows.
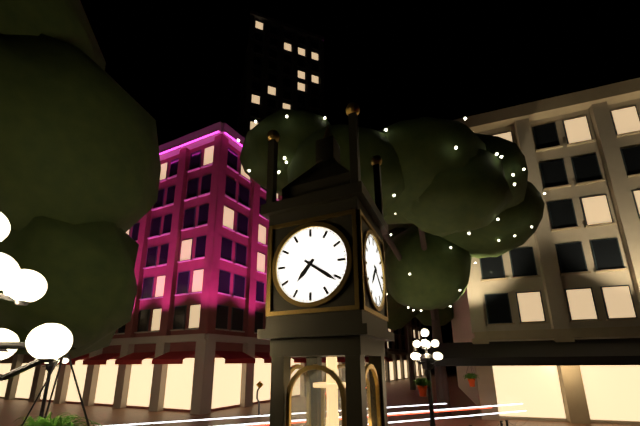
7:21
